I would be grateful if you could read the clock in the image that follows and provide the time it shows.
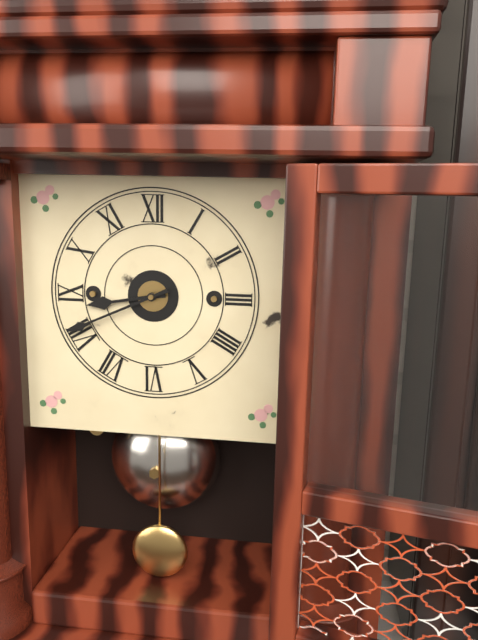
8:41
